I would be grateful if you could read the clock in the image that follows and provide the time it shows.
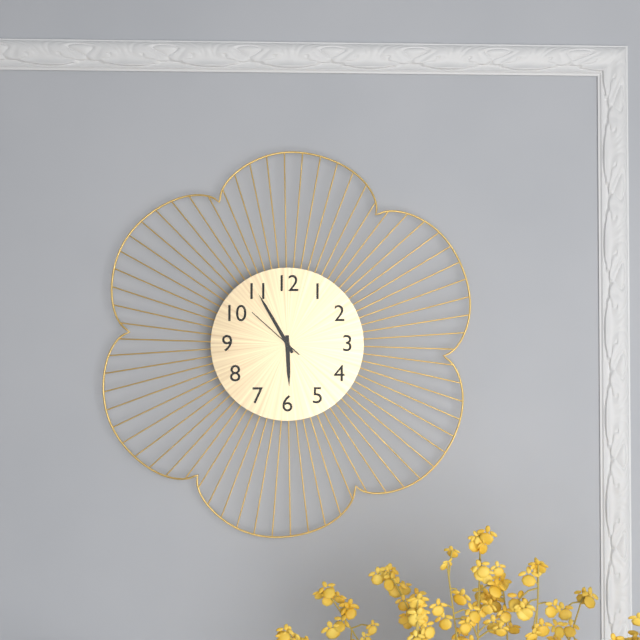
5:55:52
